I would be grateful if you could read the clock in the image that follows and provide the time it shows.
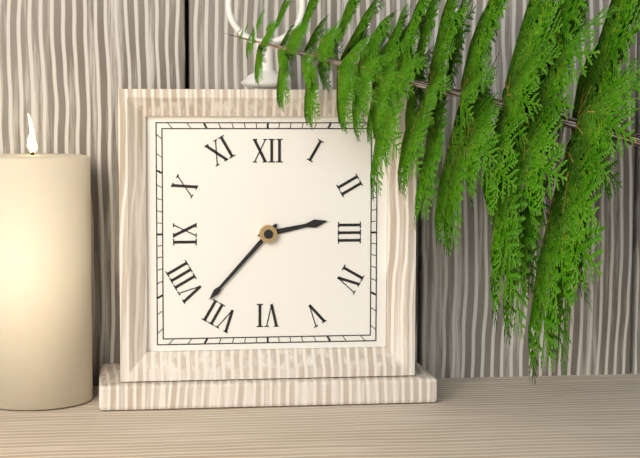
2:37
